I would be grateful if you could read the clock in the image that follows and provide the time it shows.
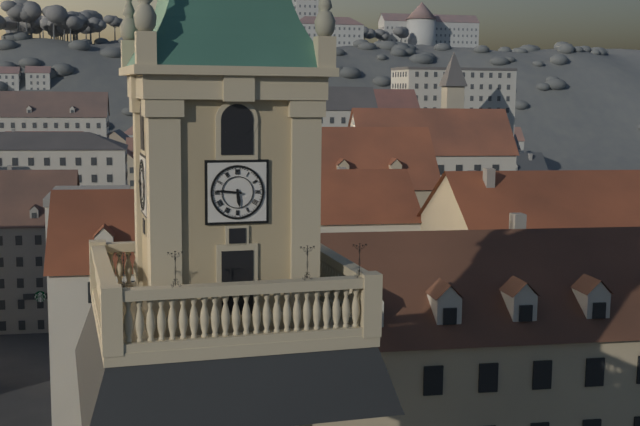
5:46
